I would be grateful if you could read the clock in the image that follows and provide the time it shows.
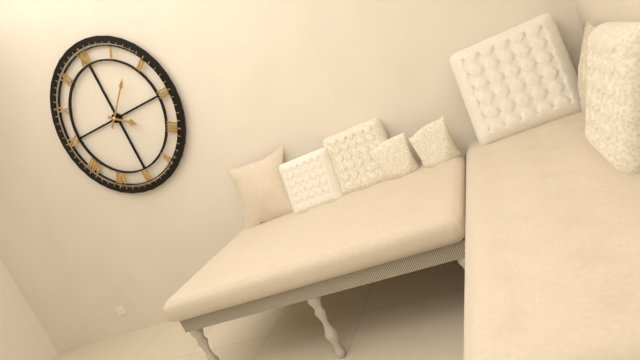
4:08
